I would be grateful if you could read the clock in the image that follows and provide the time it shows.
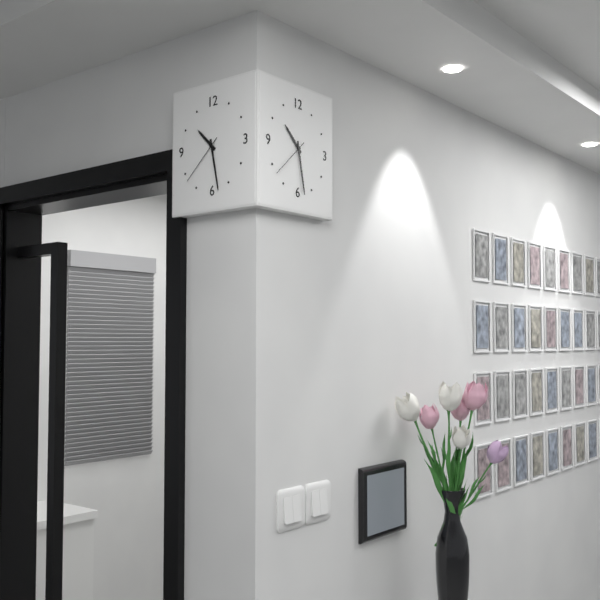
10:28:38
